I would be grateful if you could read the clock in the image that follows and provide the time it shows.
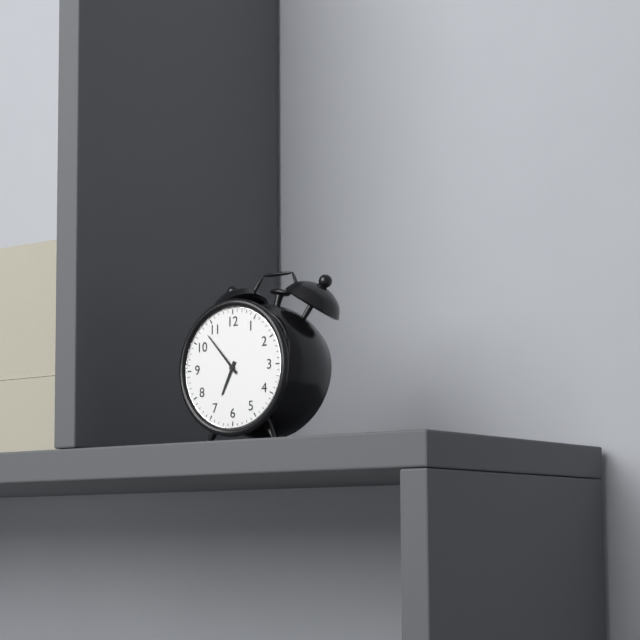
6:53
